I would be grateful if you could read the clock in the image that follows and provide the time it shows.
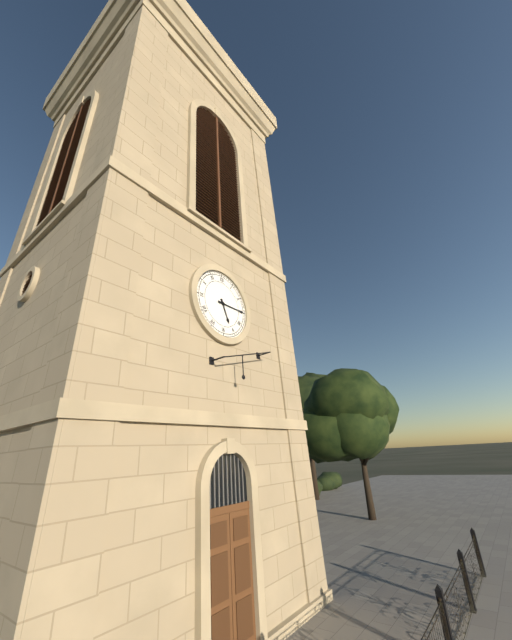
5:15
